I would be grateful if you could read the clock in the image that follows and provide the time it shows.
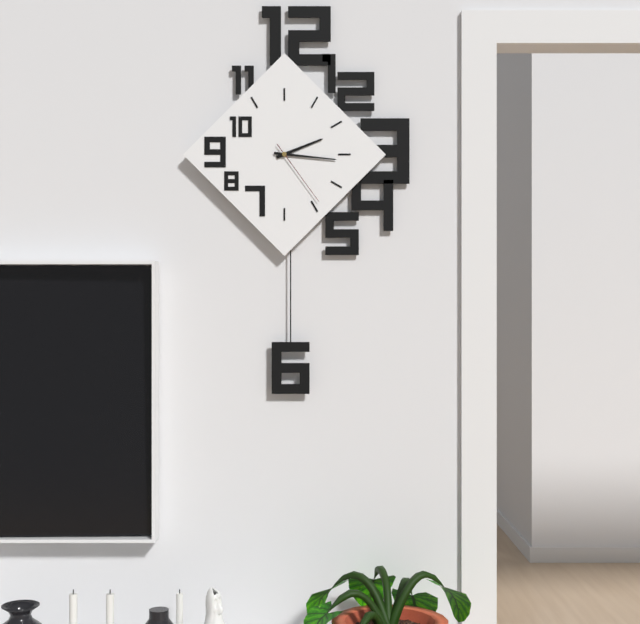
2:16:24
